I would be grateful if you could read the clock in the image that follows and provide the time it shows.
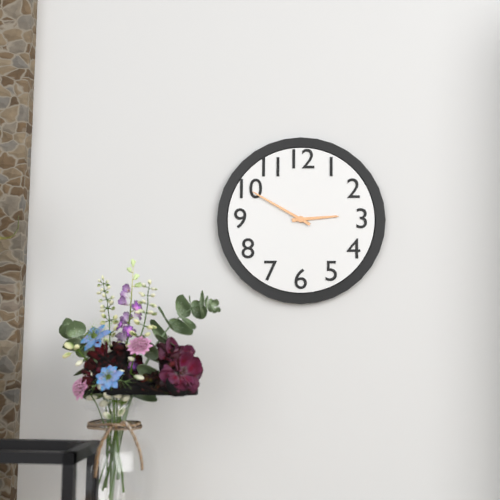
2:50
